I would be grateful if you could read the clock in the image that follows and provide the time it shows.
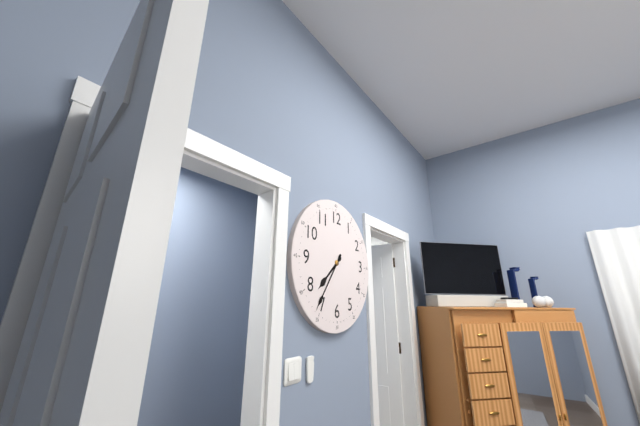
7:36
